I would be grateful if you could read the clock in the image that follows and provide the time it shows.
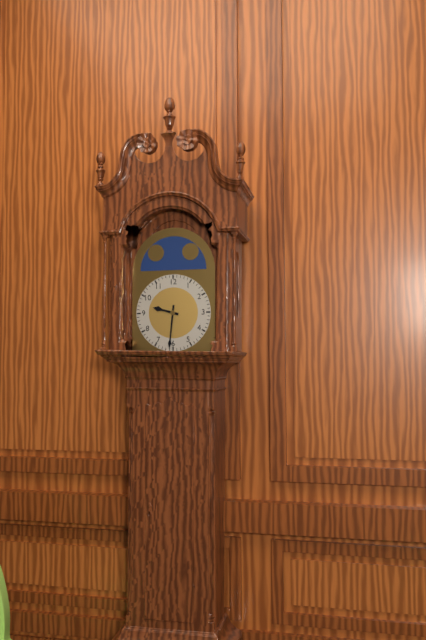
9:31
